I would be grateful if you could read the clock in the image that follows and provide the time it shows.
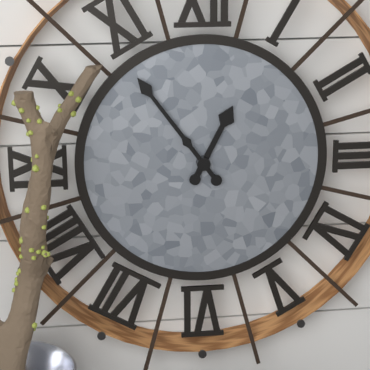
12:54
